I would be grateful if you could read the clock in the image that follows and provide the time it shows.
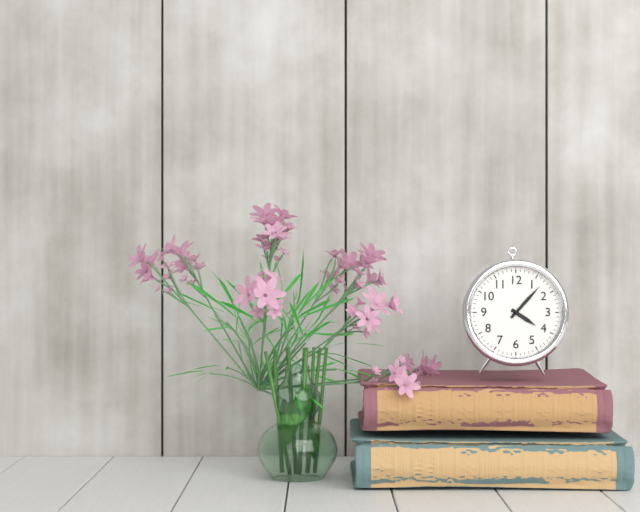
4:07
